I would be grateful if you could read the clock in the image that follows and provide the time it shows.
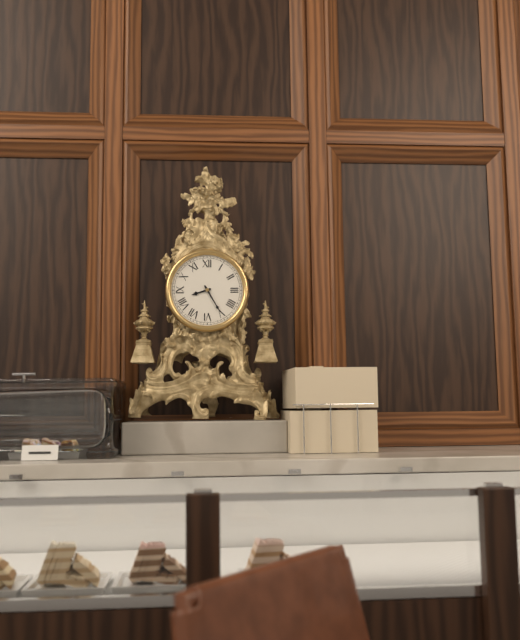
8:25
